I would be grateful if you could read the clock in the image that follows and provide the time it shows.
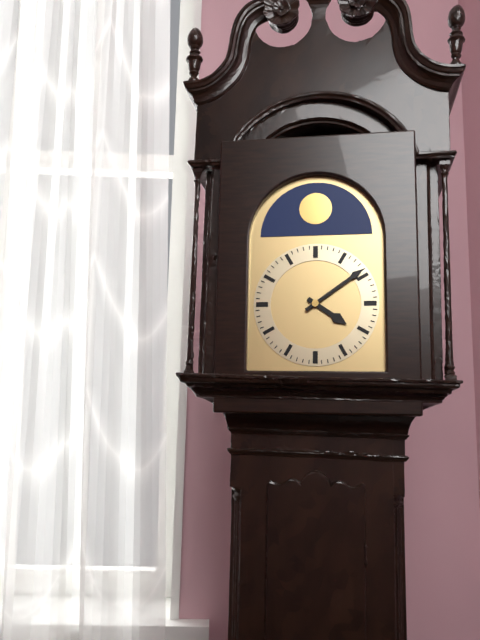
4:09
